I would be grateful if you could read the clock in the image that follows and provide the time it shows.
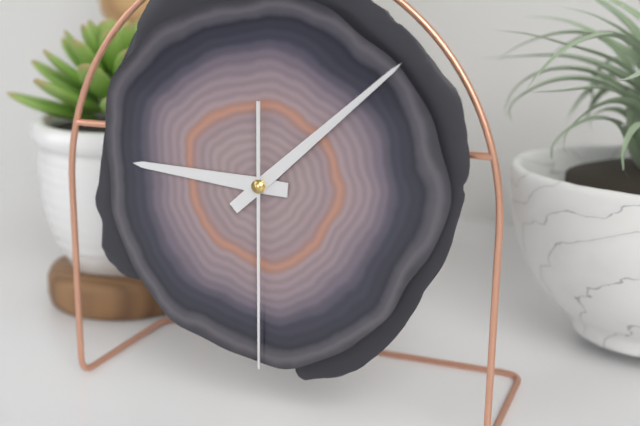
9:08:30
